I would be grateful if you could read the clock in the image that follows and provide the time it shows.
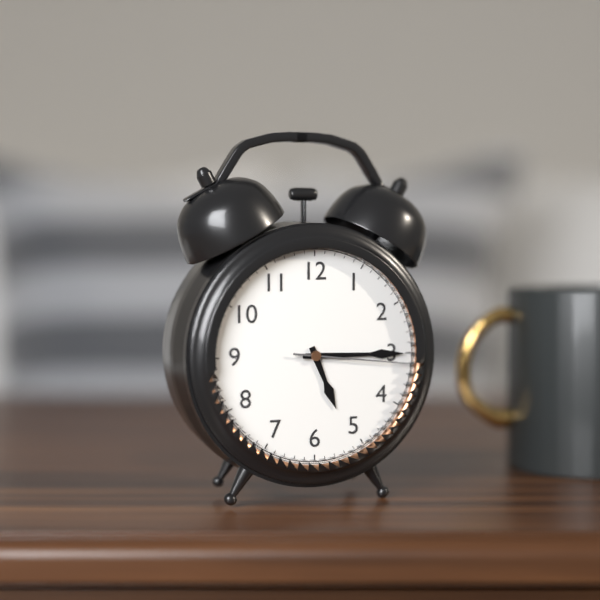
5:15:16
